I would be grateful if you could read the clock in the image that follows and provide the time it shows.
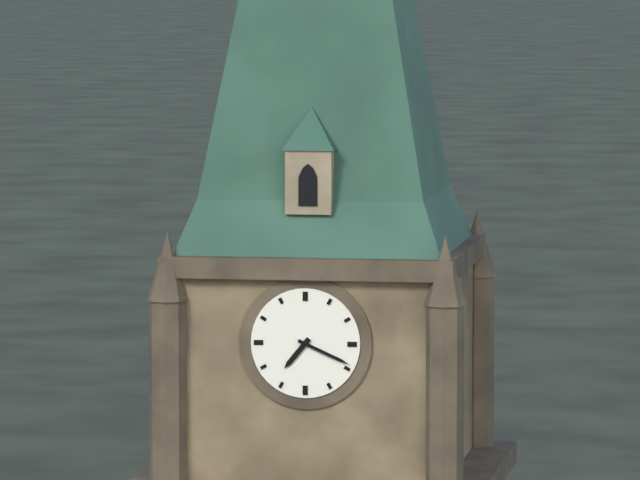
7:19
